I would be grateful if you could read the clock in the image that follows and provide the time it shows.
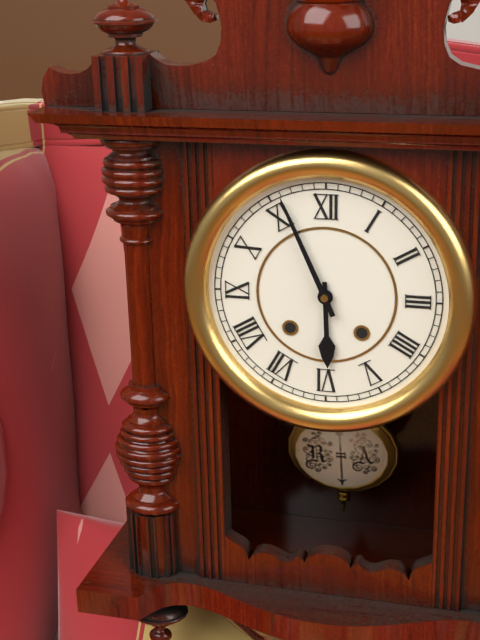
5:56
